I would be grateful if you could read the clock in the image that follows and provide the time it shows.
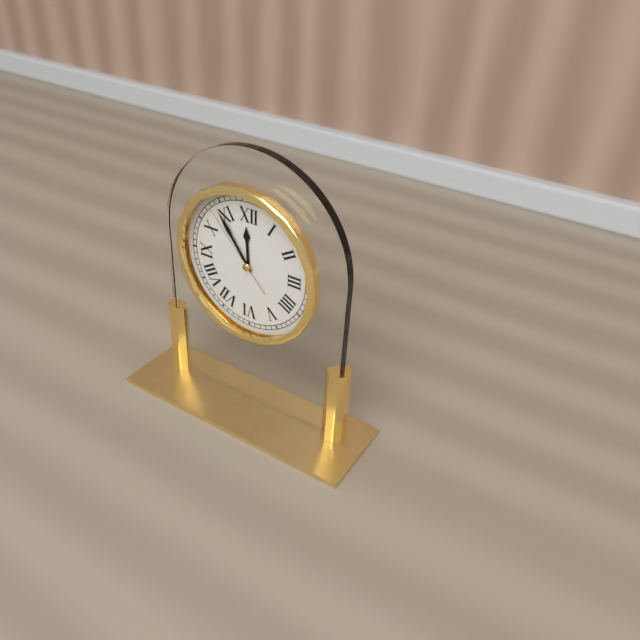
11:54:53
